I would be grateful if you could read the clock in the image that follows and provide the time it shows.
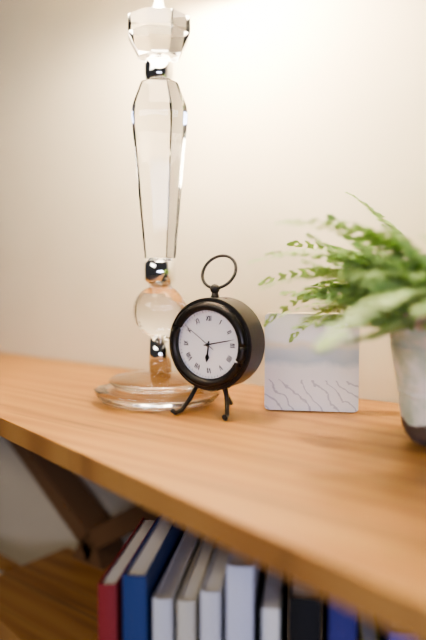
6:13
